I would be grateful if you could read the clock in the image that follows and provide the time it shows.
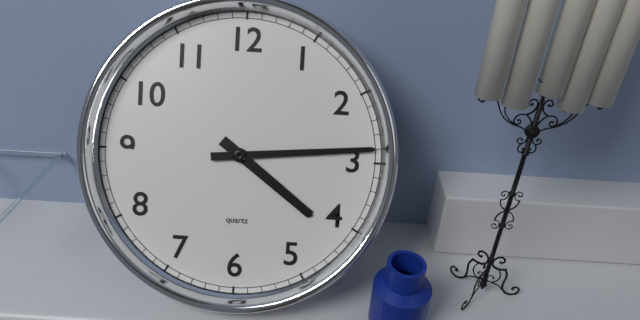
4:14
